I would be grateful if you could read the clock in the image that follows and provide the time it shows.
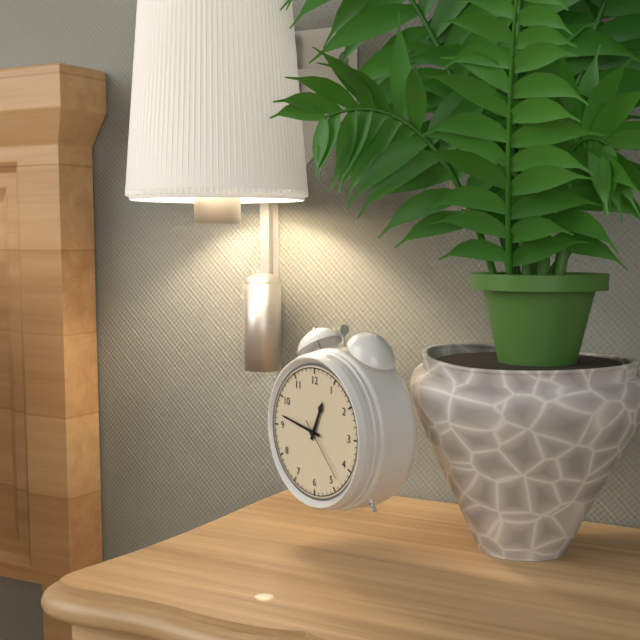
12:47:23
